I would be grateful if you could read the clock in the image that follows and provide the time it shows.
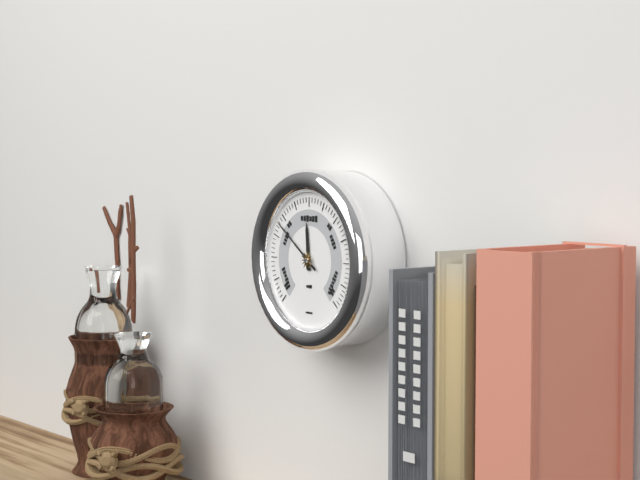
11:51
